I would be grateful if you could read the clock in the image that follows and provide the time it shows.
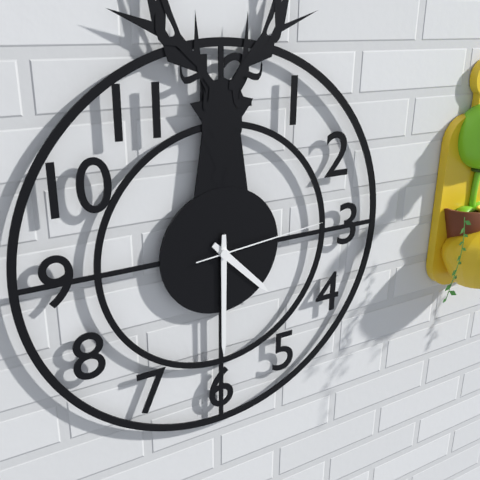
4:30:14
